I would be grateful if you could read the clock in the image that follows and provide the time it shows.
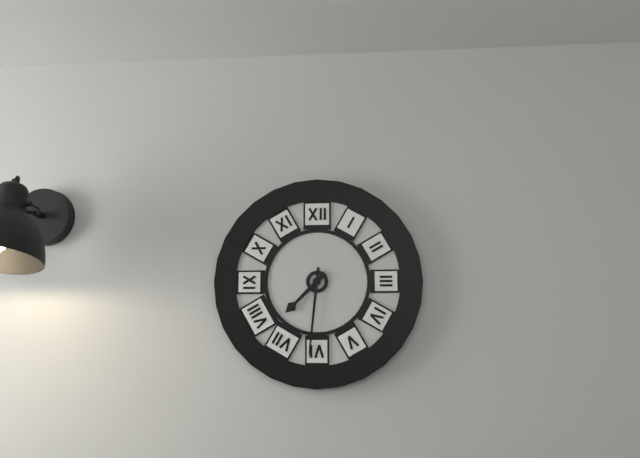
7:31
